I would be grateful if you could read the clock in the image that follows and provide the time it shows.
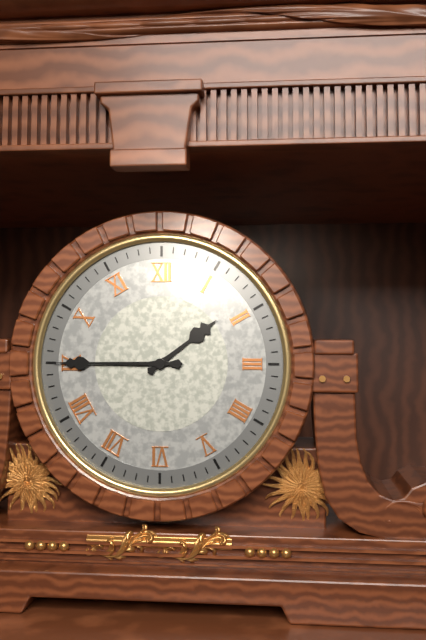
1:45
